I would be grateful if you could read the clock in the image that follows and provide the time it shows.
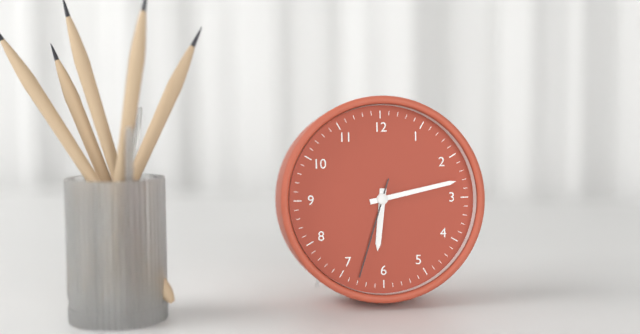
6:13:33
